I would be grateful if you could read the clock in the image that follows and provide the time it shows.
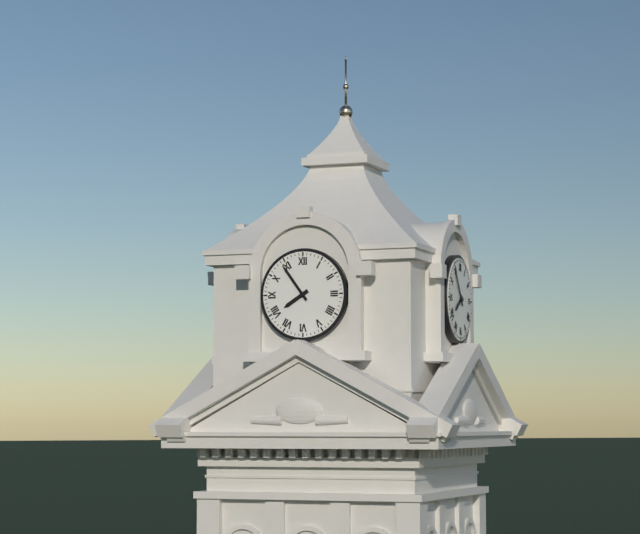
7:54
